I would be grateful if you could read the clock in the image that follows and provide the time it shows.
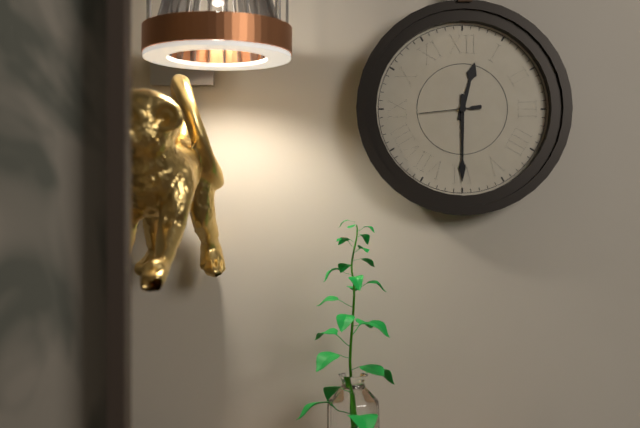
12:30:44
